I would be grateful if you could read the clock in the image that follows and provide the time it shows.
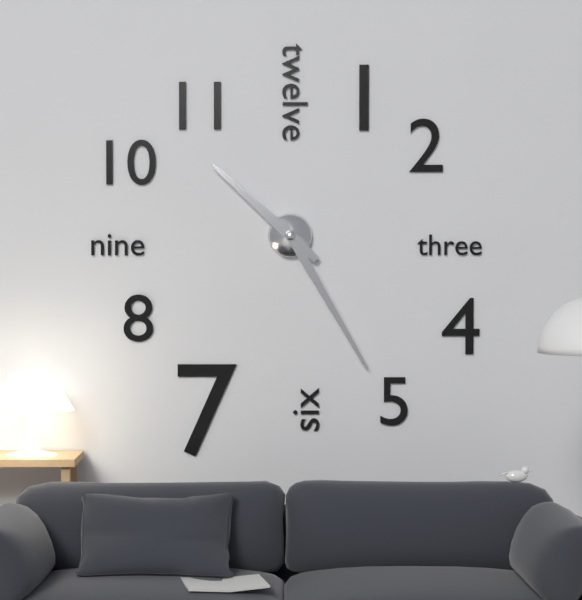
10:25
